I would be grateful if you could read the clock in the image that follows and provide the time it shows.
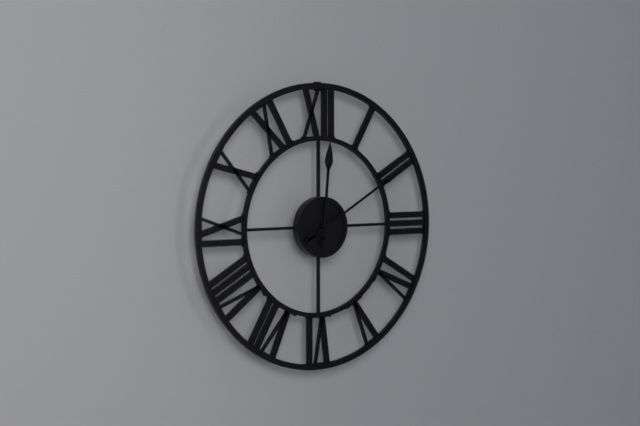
12:10
